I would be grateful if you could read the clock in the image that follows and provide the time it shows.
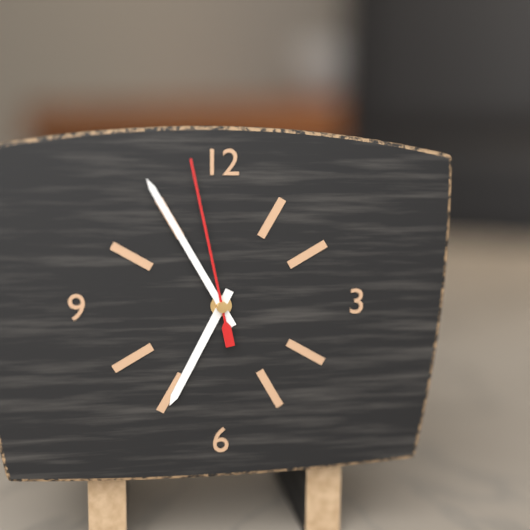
6:55:58
